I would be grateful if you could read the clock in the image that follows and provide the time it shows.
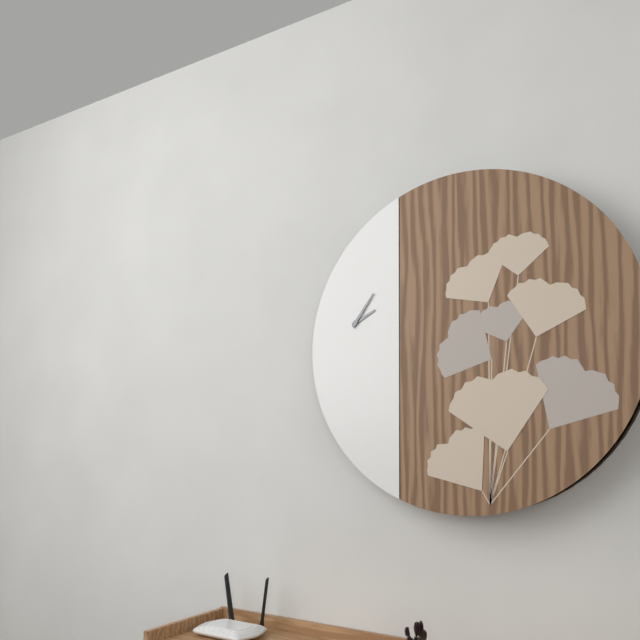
2:06
